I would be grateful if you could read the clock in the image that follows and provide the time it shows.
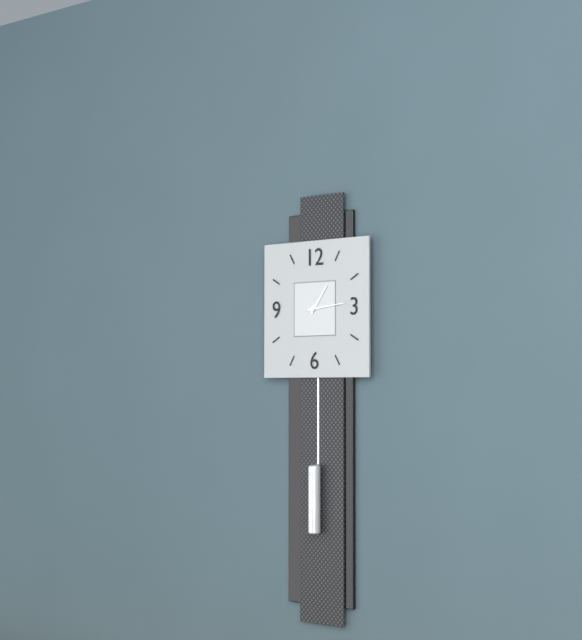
1:14
